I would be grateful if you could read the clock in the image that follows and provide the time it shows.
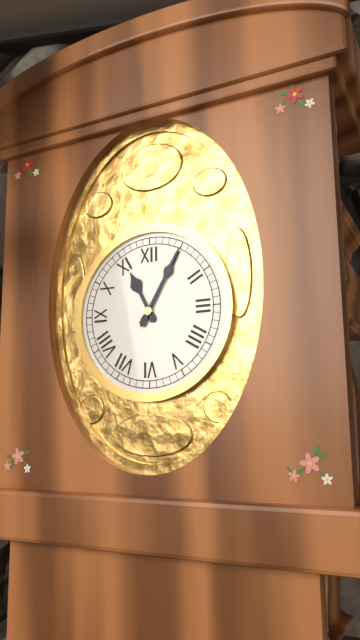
11:05
